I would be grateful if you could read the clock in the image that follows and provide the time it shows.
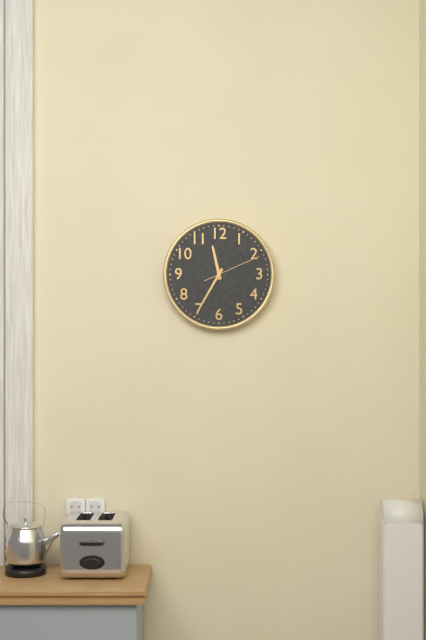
11:35:11
